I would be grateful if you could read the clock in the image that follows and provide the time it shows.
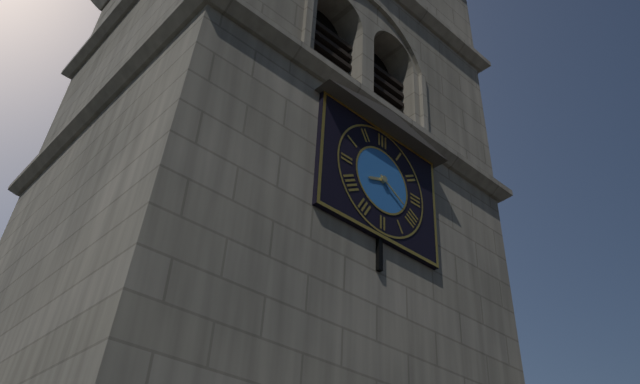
8:20
